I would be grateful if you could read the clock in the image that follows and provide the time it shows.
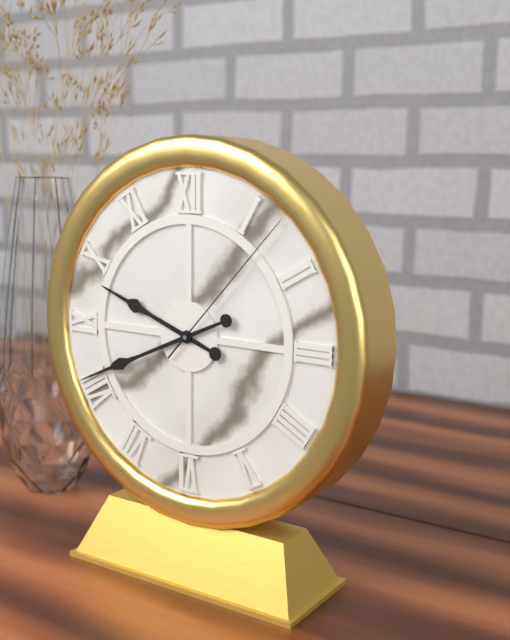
9:41:07
